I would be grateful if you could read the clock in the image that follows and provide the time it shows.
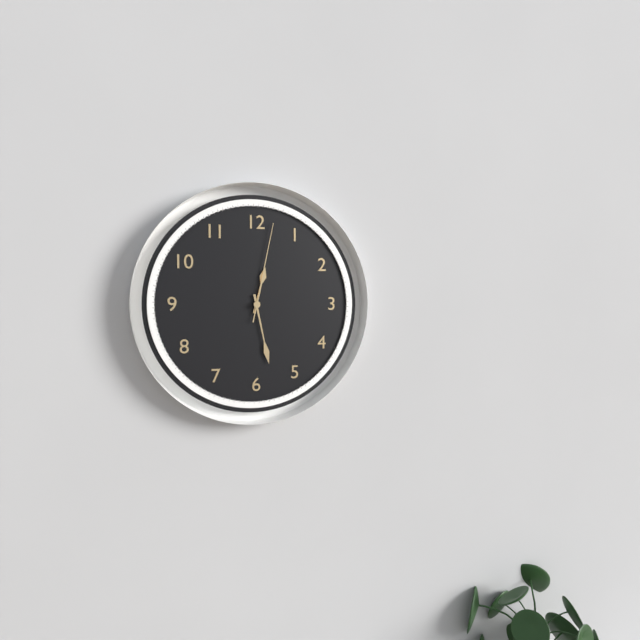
12:28:02
